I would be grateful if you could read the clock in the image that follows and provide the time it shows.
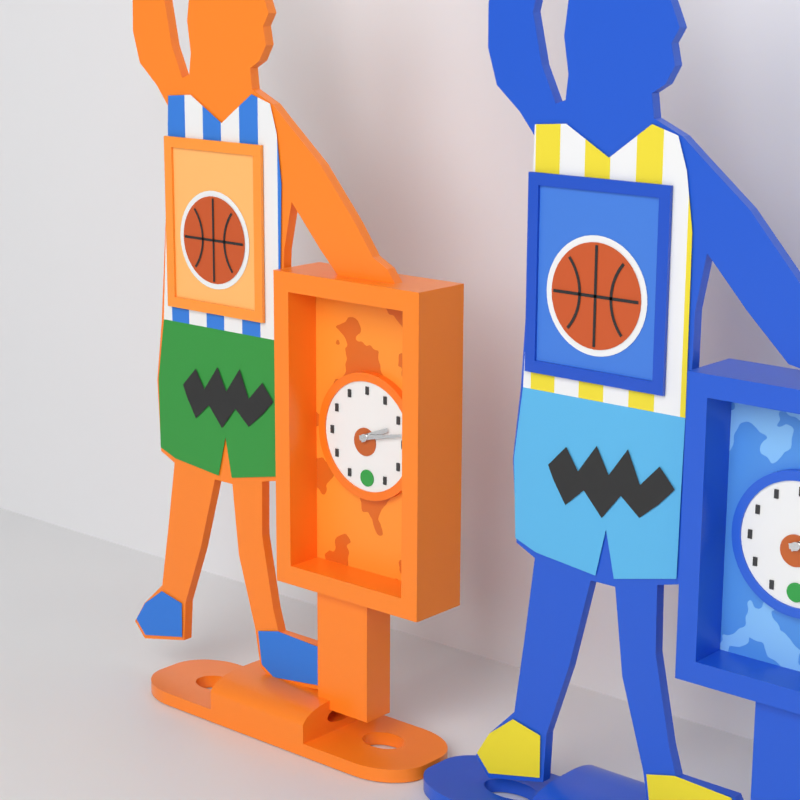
2:13
